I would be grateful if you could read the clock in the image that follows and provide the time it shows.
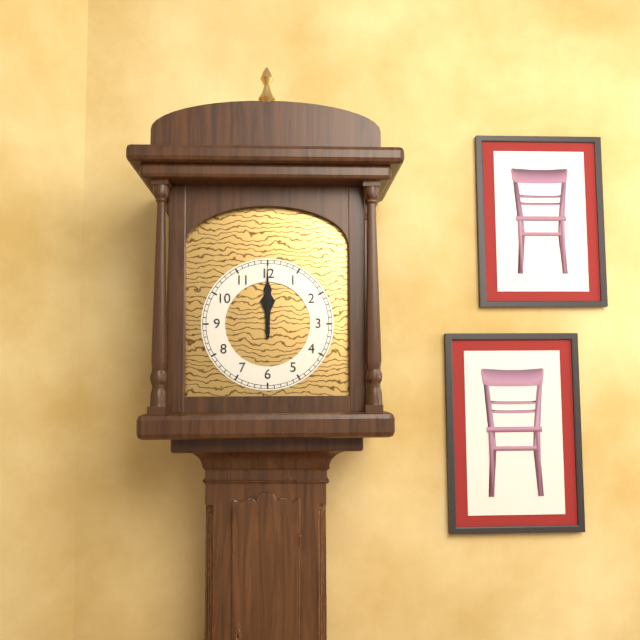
12:00
